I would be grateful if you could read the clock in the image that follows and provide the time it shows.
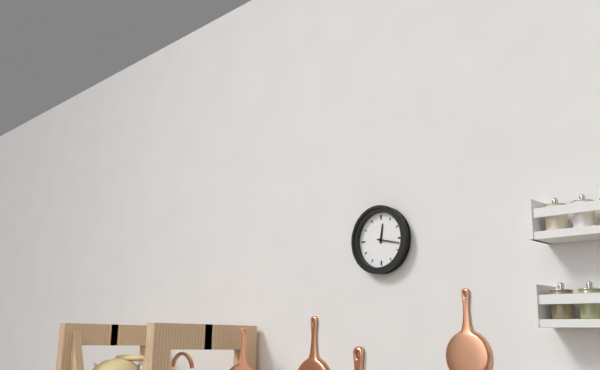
12:17
